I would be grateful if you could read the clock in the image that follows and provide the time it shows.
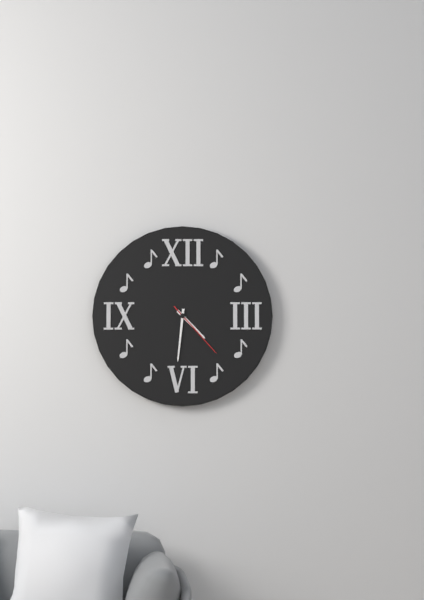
4:31:23
